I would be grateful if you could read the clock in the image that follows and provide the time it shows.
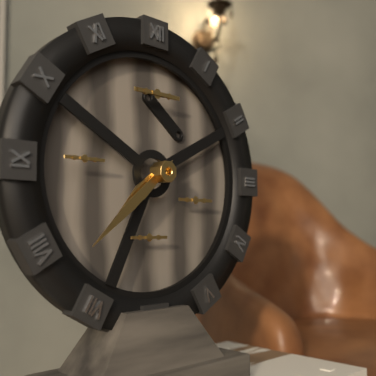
7:38
